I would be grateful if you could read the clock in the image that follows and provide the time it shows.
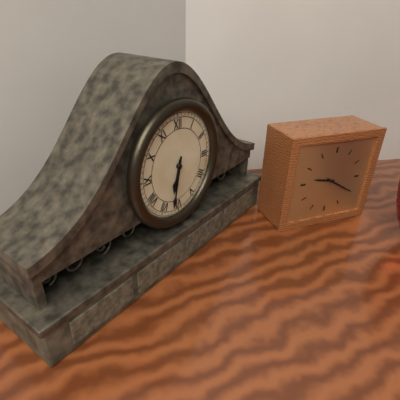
6:32
